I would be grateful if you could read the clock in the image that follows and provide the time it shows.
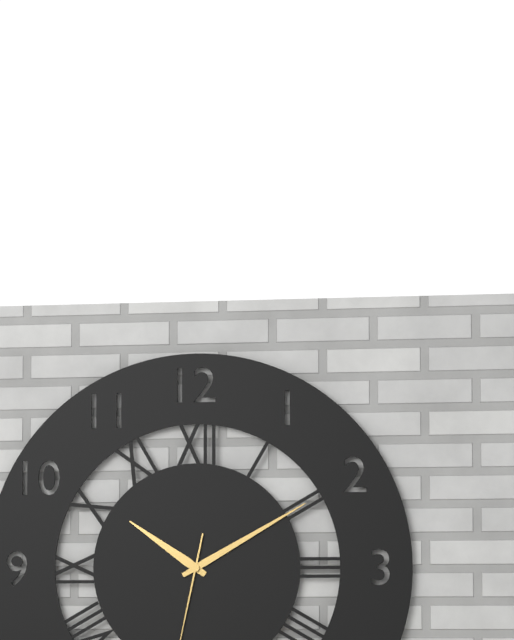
10:10
